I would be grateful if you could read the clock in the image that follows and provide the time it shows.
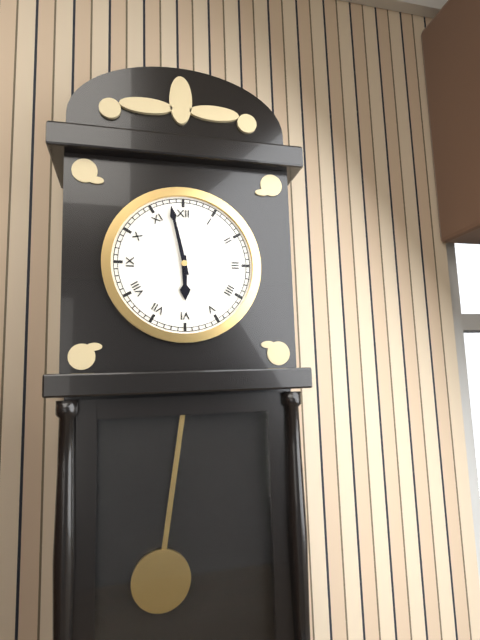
5:58
